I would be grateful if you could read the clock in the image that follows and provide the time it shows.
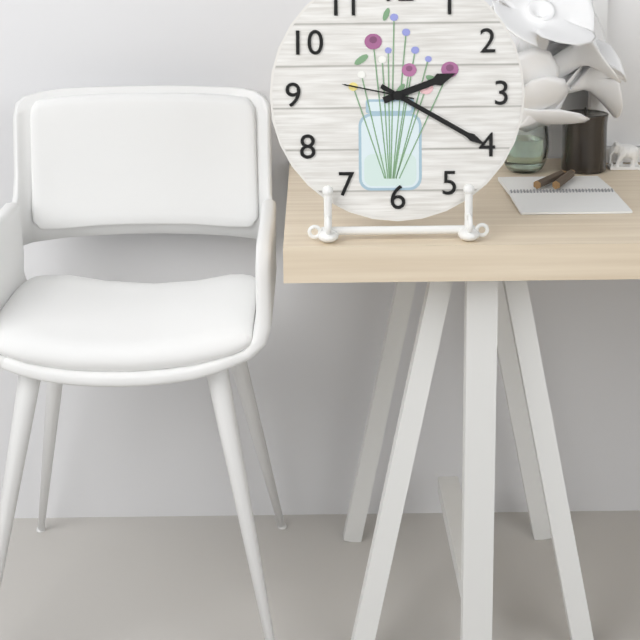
2:20:47
